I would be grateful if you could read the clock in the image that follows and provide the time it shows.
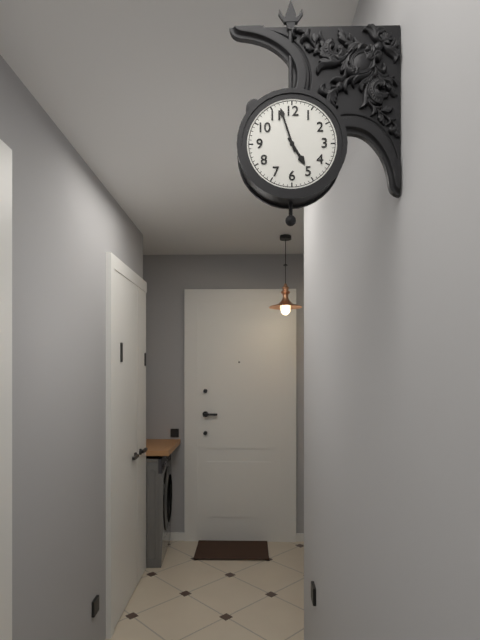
4:57
